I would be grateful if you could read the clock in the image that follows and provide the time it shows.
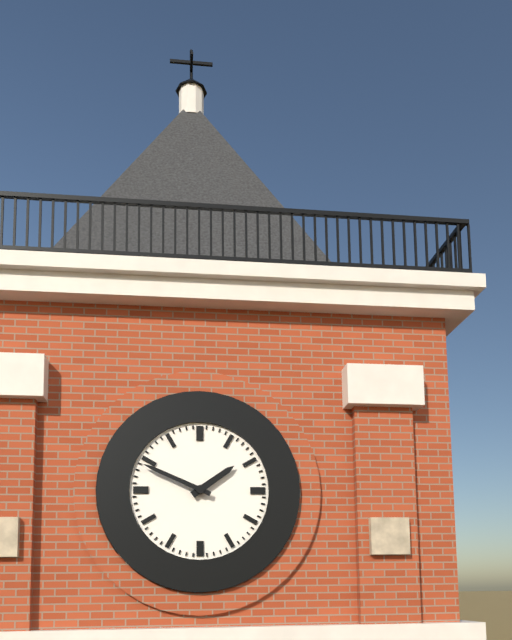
1:49
